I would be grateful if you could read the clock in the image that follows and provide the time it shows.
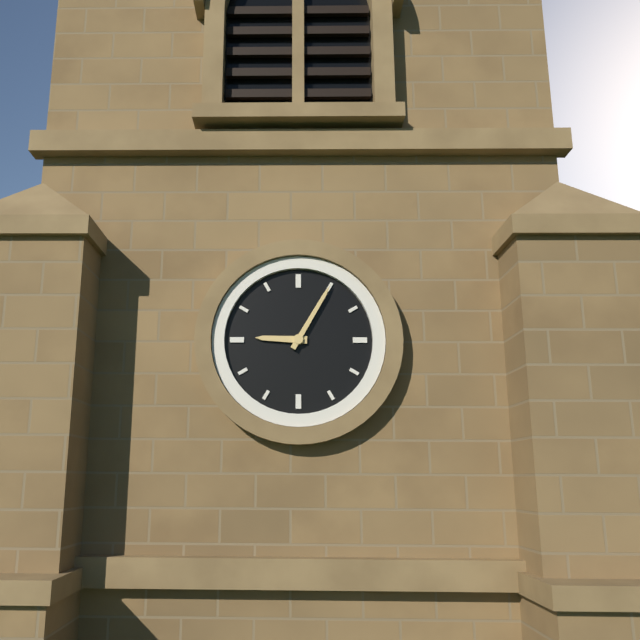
9:05
